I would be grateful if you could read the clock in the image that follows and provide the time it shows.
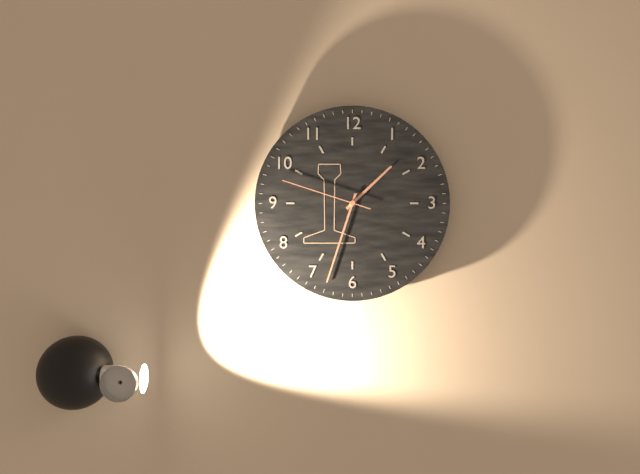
1:33:48
